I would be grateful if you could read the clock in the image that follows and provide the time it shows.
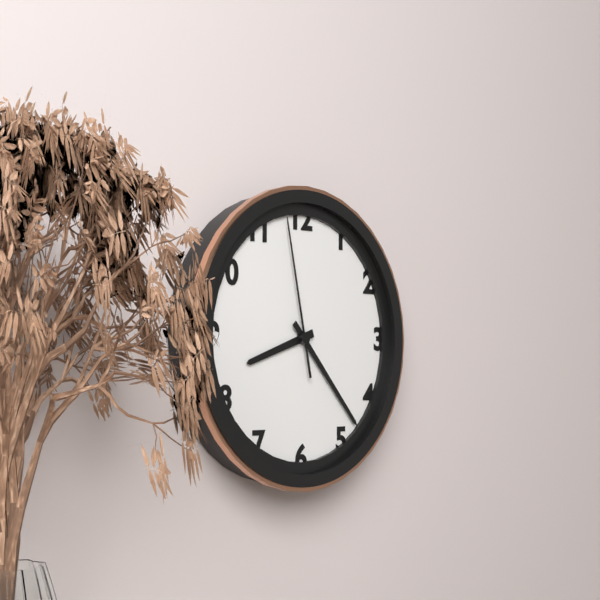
8:23:58
